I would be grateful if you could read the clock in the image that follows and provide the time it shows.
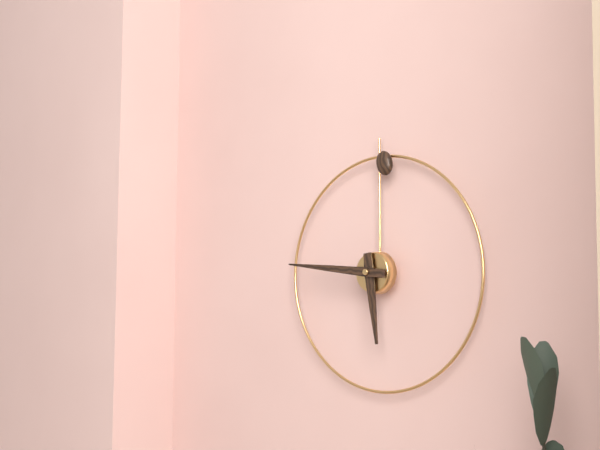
5:46
